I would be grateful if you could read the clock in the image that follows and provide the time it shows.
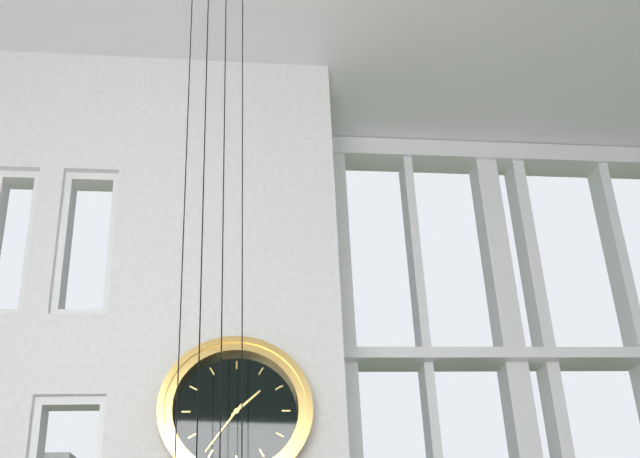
1:36
